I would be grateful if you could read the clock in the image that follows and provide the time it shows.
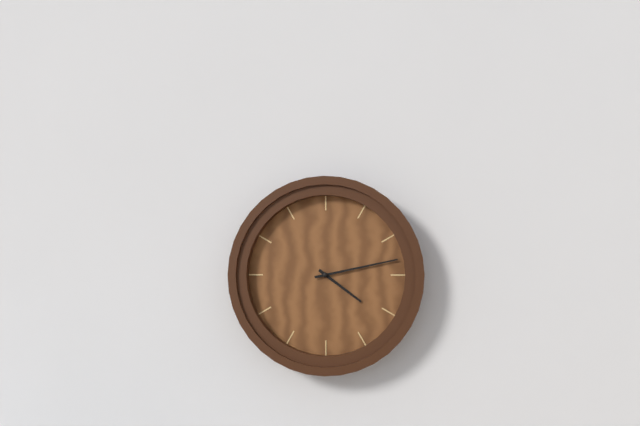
4:13
